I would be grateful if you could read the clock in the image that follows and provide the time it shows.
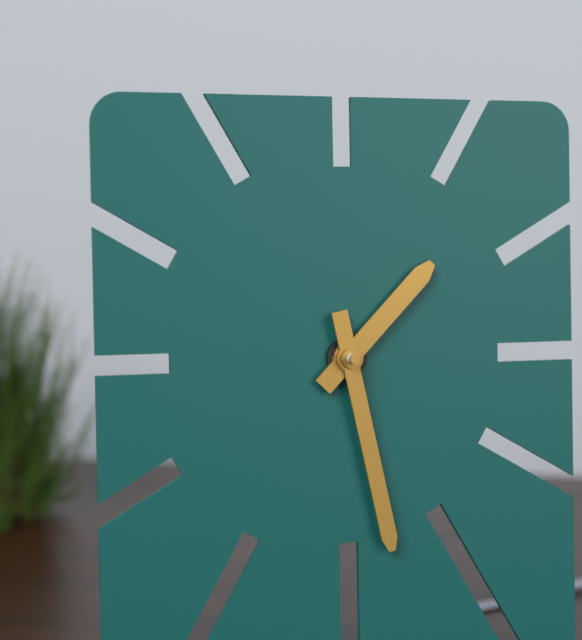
1:28
